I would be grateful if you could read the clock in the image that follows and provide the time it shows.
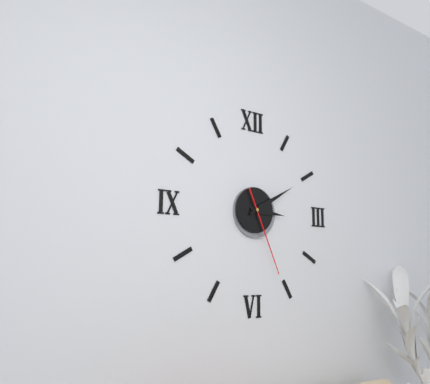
3:10:26
